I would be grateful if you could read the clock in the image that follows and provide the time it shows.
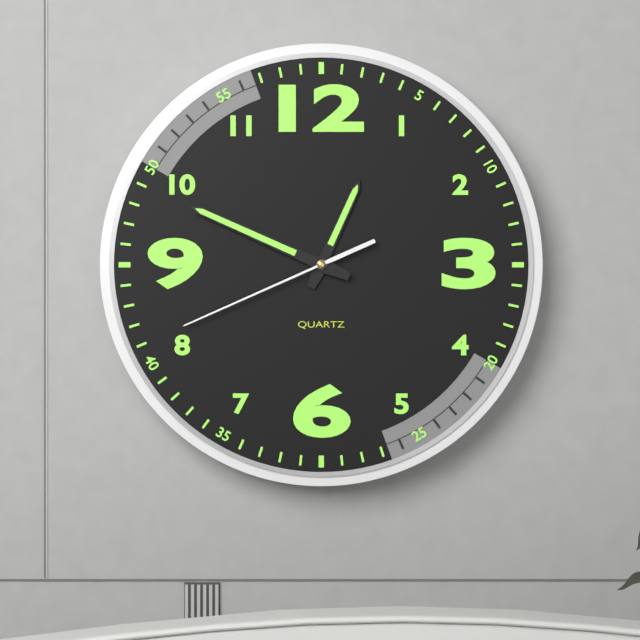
12:49:41
